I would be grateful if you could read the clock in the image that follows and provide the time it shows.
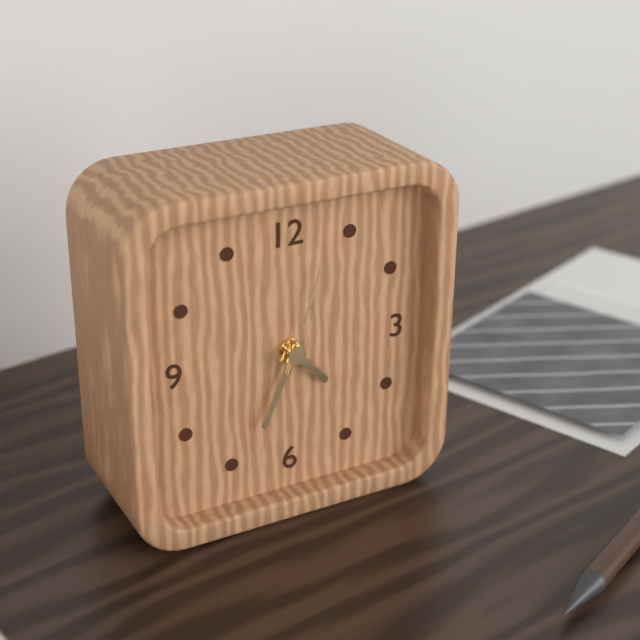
4:34:03
